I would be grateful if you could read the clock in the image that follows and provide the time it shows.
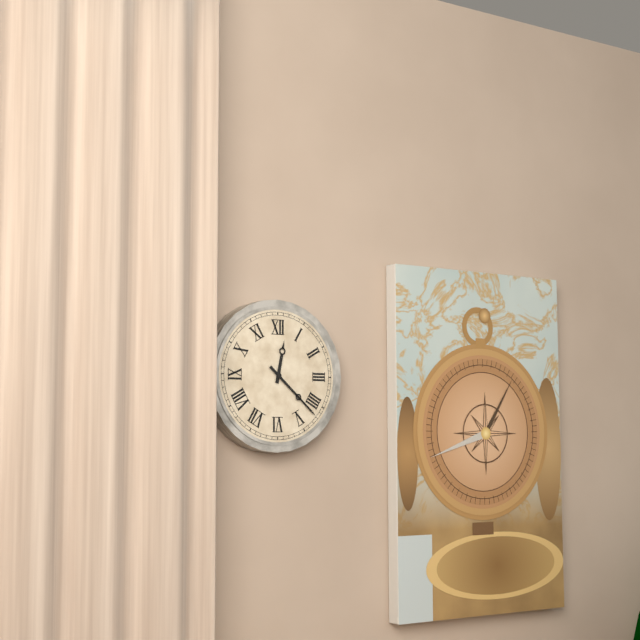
12:22
